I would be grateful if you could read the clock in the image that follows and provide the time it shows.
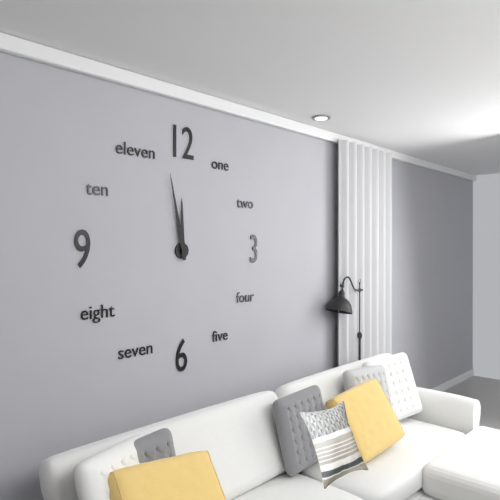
11:58
